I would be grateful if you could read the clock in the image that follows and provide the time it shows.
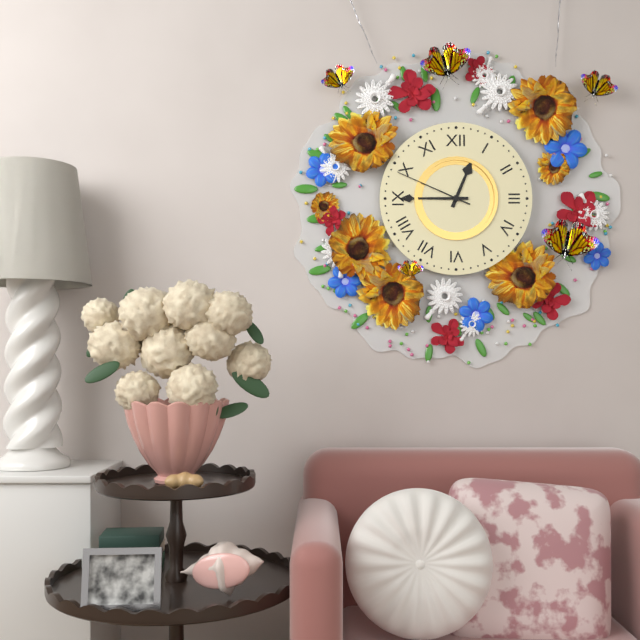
12:45:49
